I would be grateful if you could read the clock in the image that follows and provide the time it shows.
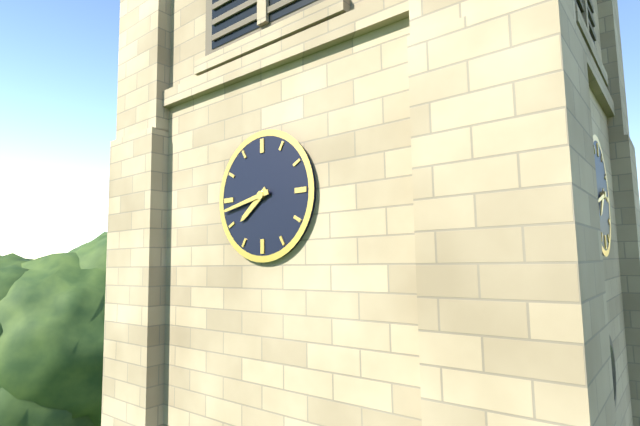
7:43
